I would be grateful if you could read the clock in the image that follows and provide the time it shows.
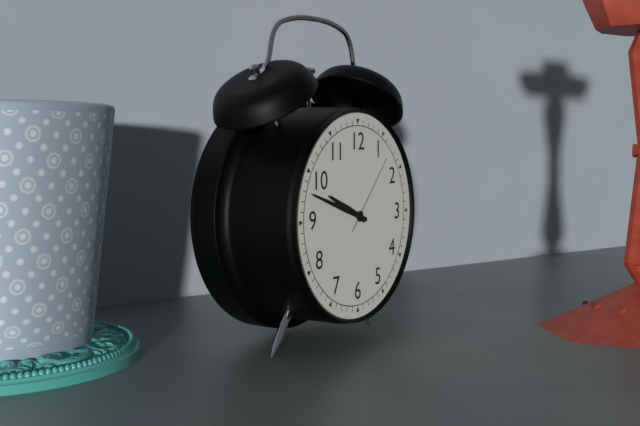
9:48:07
